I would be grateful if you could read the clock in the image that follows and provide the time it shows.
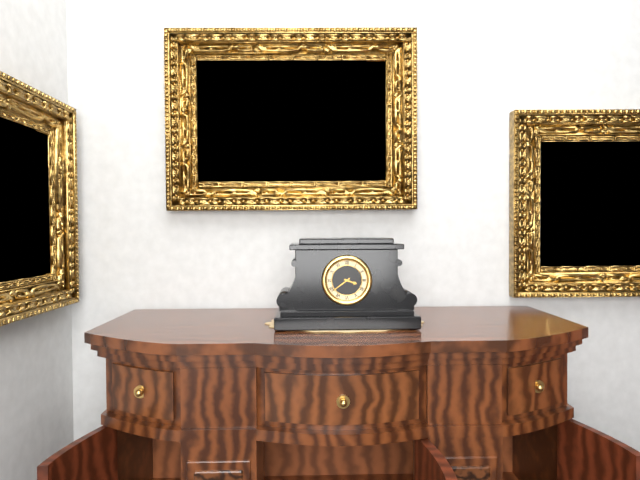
3:39
